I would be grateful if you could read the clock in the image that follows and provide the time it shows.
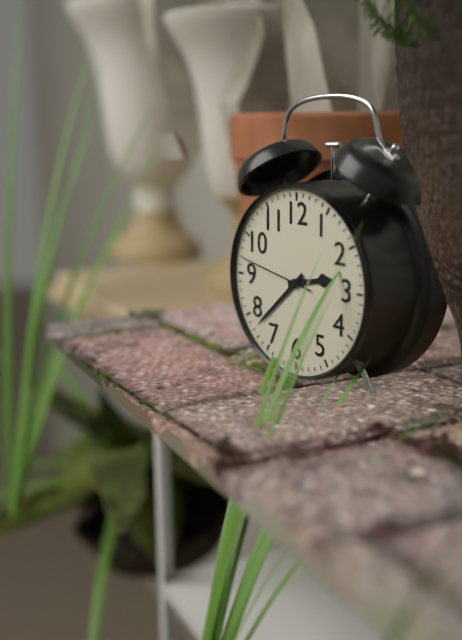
2:38:47
